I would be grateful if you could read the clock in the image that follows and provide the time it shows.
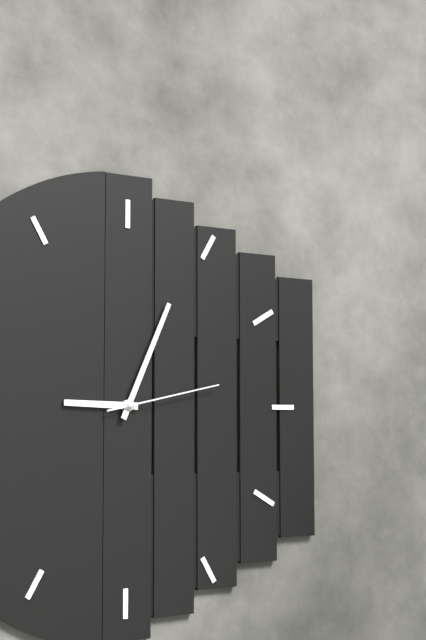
9:04:13
